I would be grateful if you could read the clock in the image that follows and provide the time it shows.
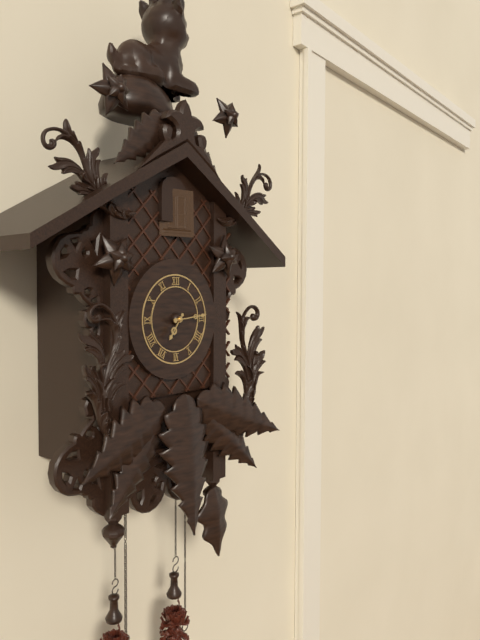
7:14
